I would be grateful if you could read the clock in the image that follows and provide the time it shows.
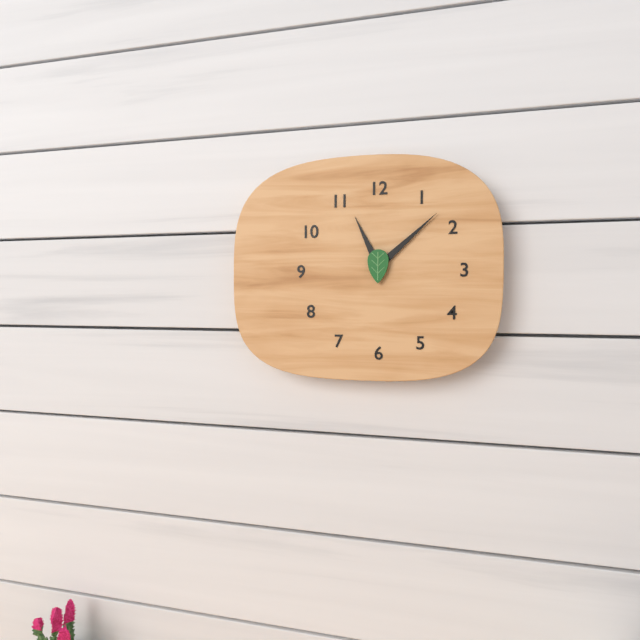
11:08
